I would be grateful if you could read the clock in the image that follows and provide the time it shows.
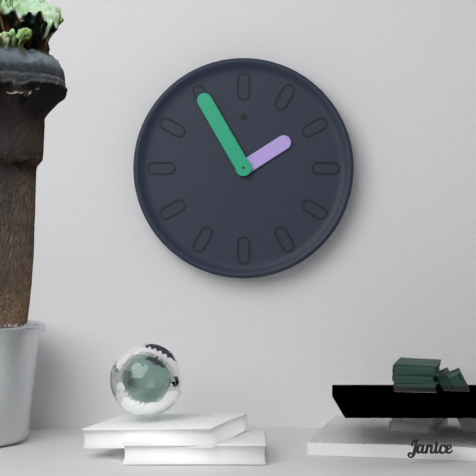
1:55
